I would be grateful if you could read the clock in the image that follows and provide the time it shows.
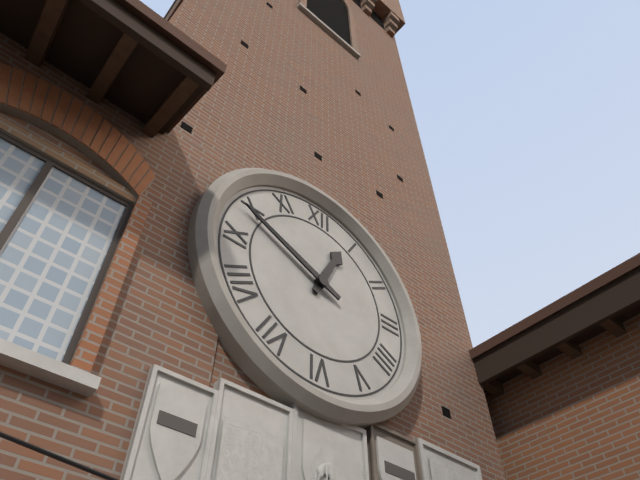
12:49
